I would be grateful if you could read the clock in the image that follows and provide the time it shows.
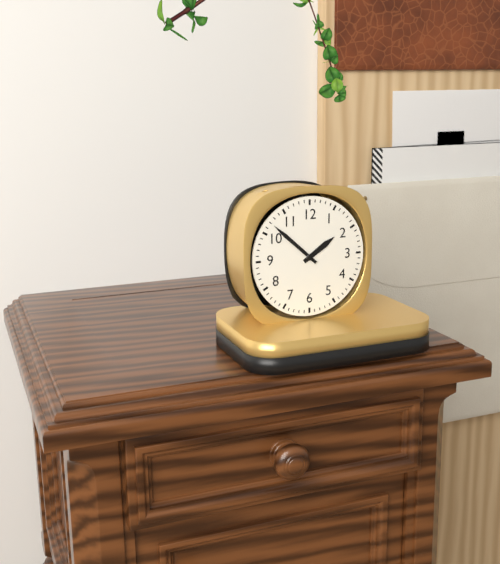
1:52
